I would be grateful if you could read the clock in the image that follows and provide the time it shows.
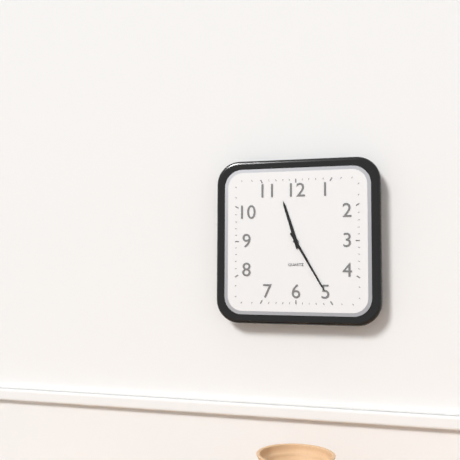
11:25
